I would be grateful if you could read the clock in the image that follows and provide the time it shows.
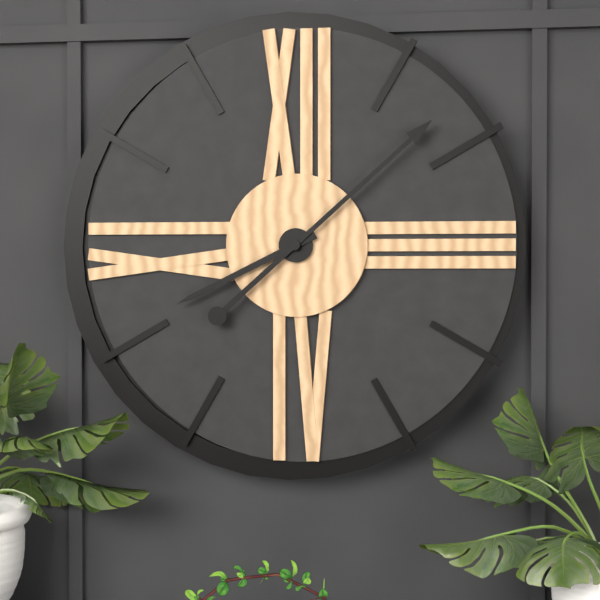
8:08
